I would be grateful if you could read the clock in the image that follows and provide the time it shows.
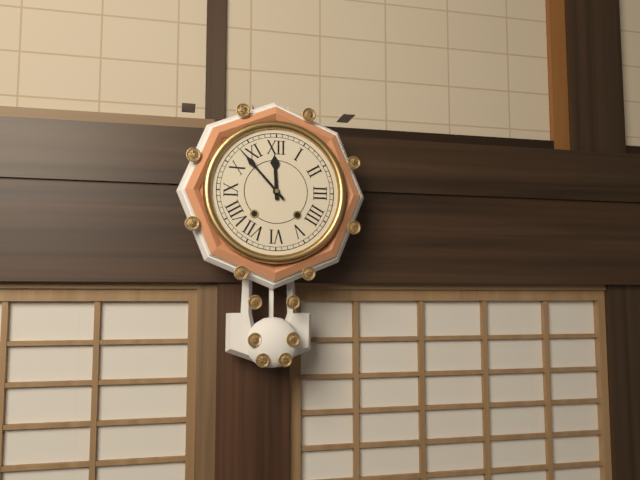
11:53
